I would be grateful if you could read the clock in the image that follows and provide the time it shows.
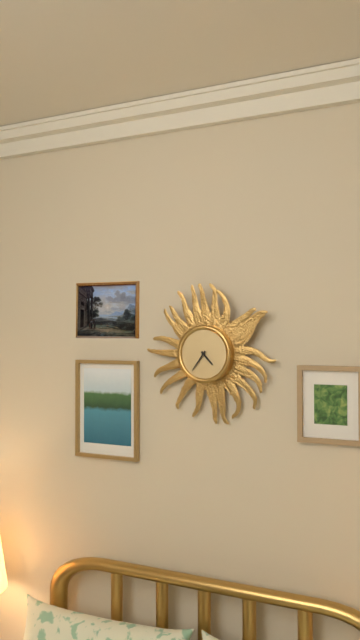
4:36
